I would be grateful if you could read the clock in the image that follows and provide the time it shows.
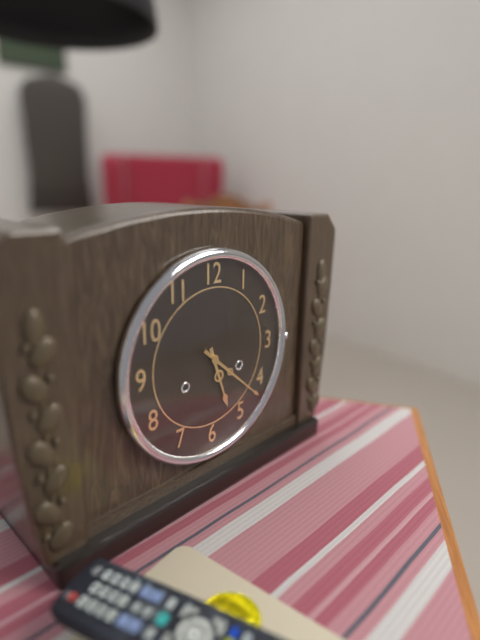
5:22
